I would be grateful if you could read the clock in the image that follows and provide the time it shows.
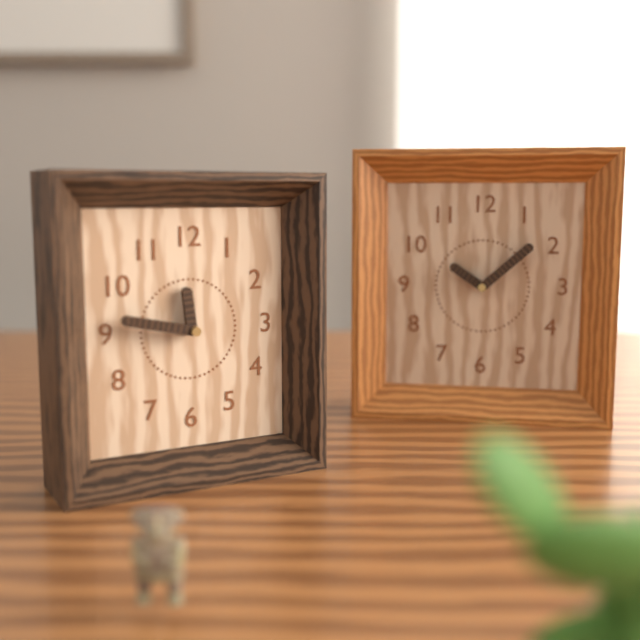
11:47
